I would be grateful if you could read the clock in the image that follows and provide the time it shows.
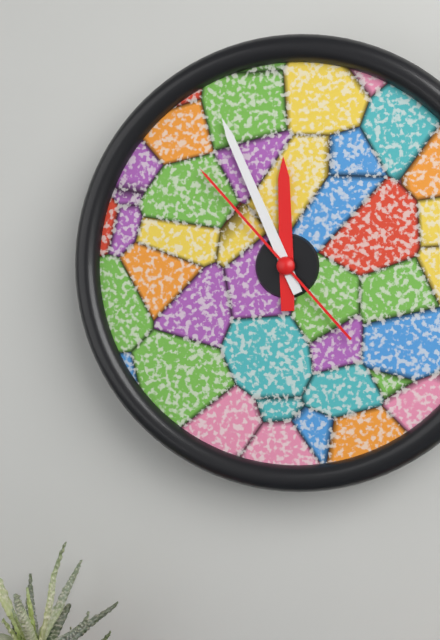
11:56:53
